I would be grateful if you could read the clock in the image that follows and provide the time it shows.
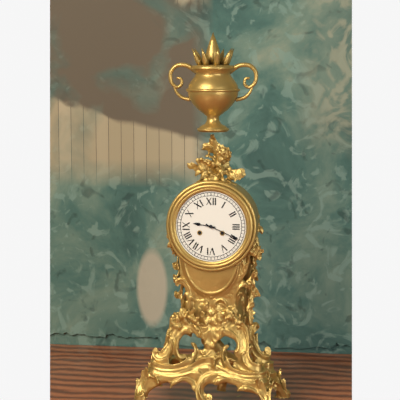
9:19
